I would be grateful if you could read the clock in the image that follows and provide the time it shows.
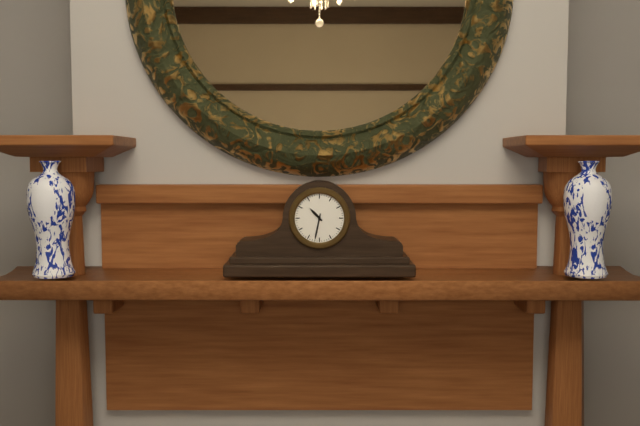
10:32
